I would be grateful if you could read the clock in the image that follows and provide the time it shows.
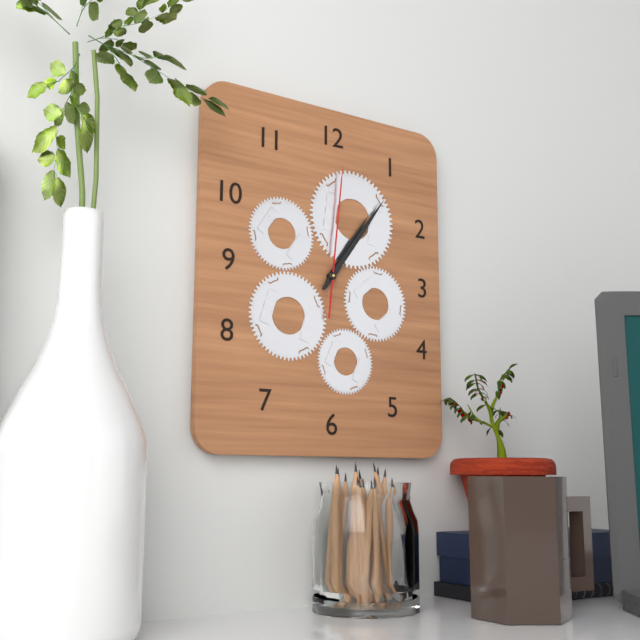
1:06:01
